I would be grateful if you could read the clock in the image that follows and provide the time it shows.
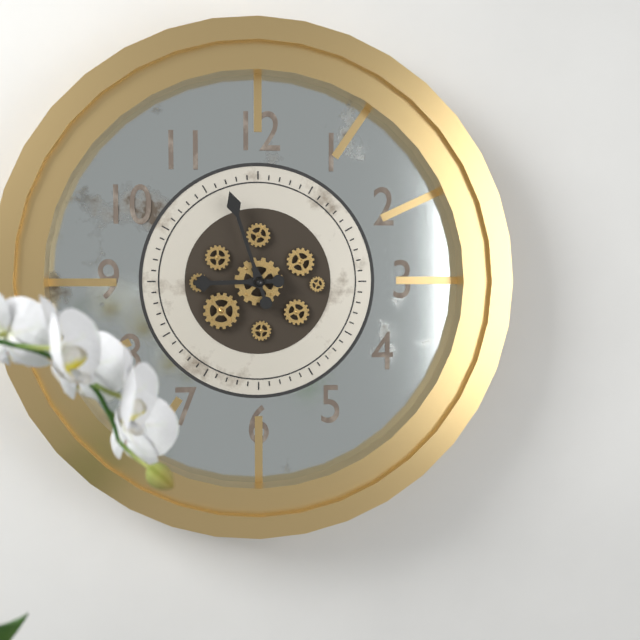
8:57
